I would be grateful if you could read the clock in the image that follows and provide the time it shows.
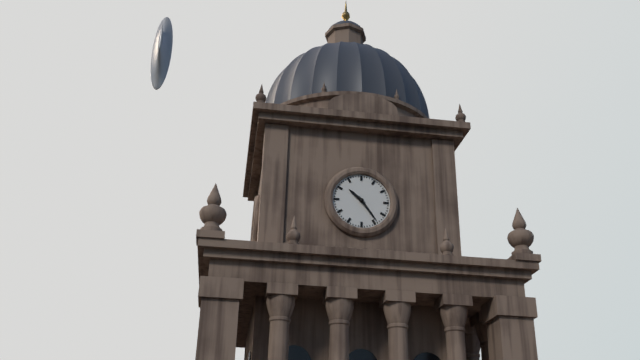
10:24
